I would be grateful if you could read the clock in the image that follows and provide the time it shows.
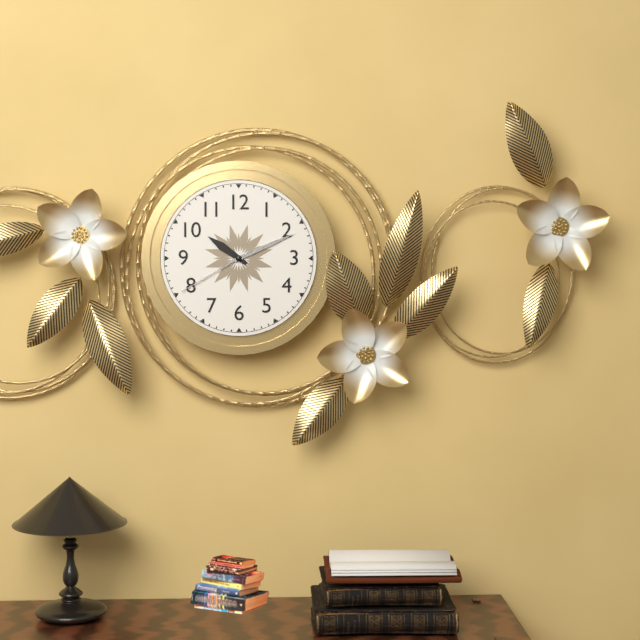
10:11:40
